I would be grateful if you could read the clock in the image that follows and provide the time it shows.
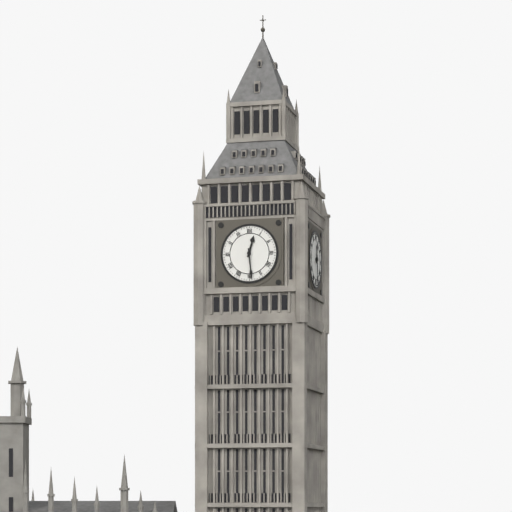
12:29
